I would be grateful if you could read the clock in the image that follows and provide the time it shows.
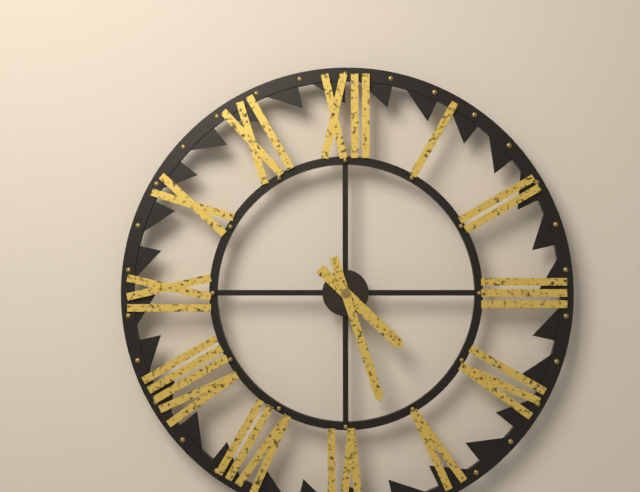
4:27
